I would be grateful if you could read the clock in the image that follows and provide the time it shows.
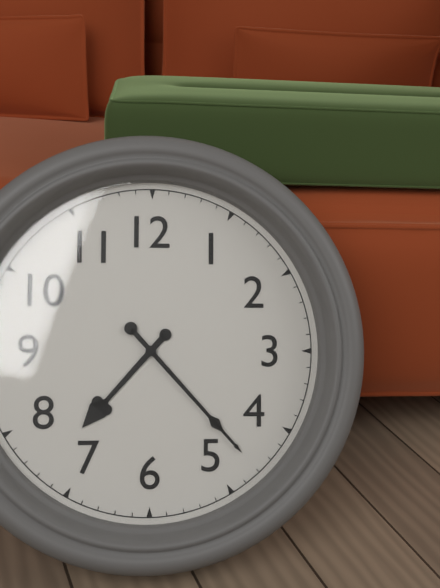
7:23
